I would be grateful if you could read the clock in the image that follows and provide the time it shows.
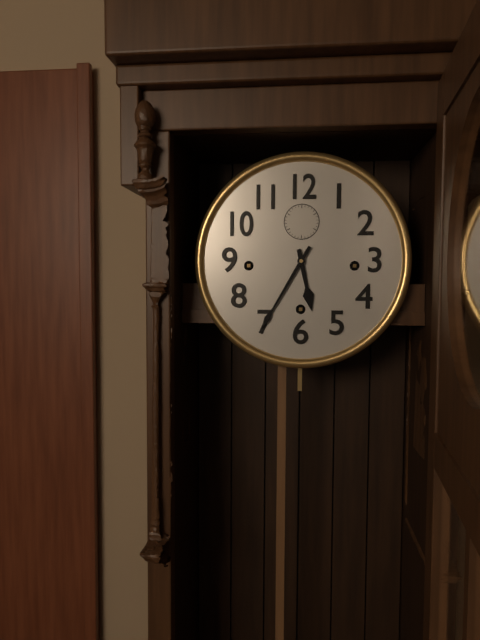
5:35
